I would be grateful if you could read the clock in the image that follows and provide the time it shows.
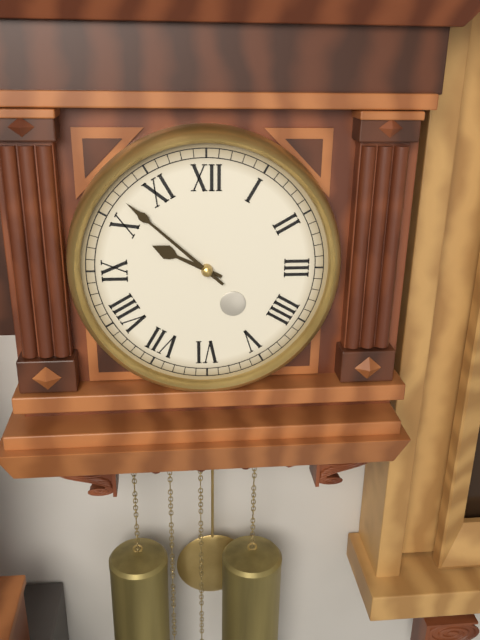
9:52
